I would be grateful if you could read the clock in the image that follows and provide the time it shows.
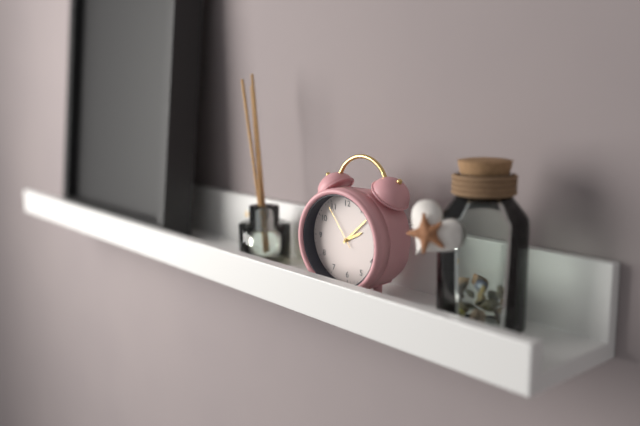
2:08
